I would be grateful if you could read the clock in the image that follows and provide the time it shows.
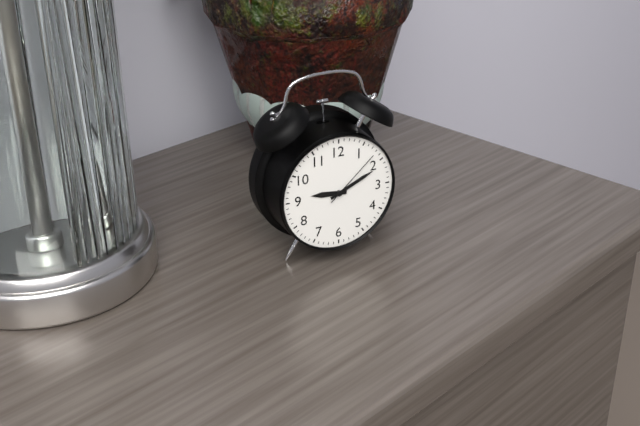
9:11:08
